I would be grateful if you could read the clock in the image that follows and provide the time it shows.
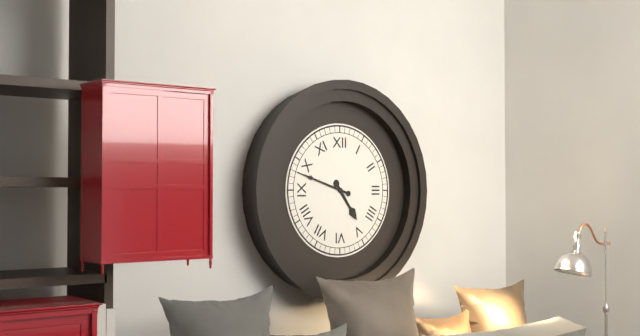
4:48
